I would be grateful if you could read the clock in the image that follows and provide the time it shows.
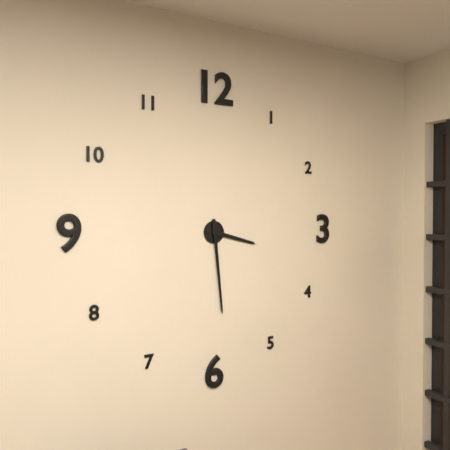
3:29
